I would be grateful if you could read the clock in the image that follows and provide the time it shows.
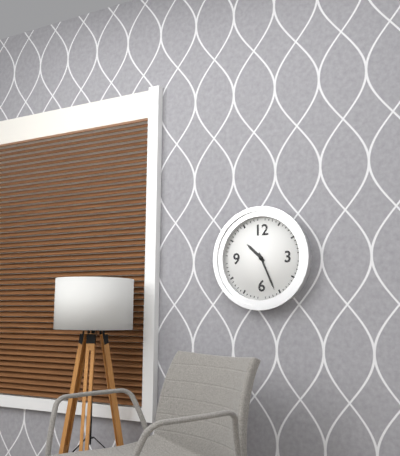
10:26
